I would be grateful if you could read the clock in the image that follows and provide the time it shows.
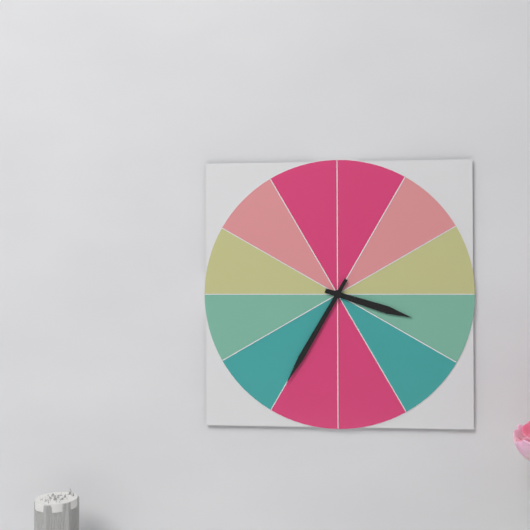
3:35
